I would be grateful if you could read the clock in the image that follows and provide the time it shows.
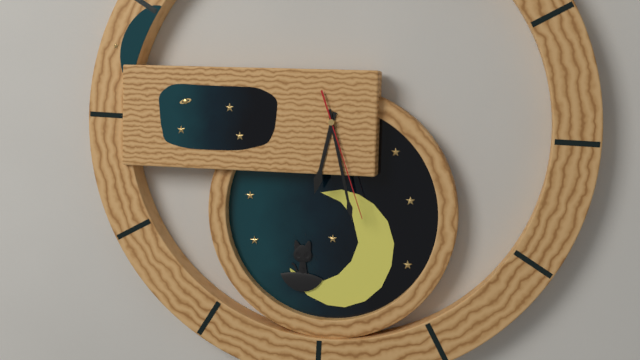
6:28:27
